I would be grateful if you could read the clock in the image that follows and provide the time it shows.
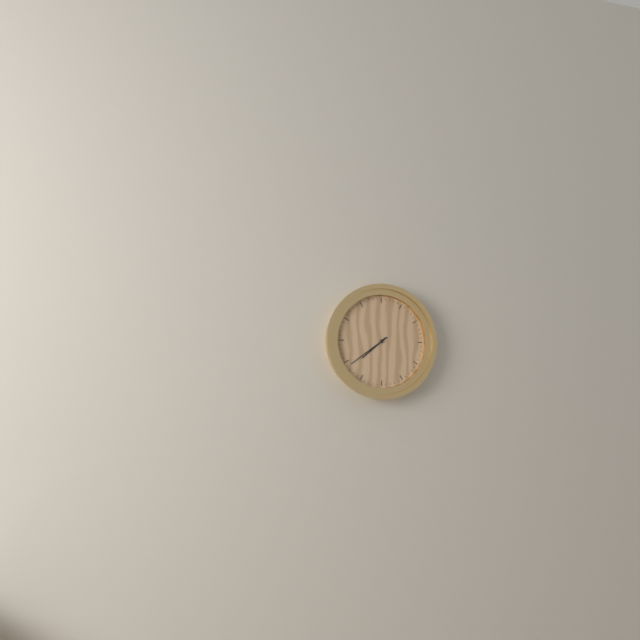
7:39
